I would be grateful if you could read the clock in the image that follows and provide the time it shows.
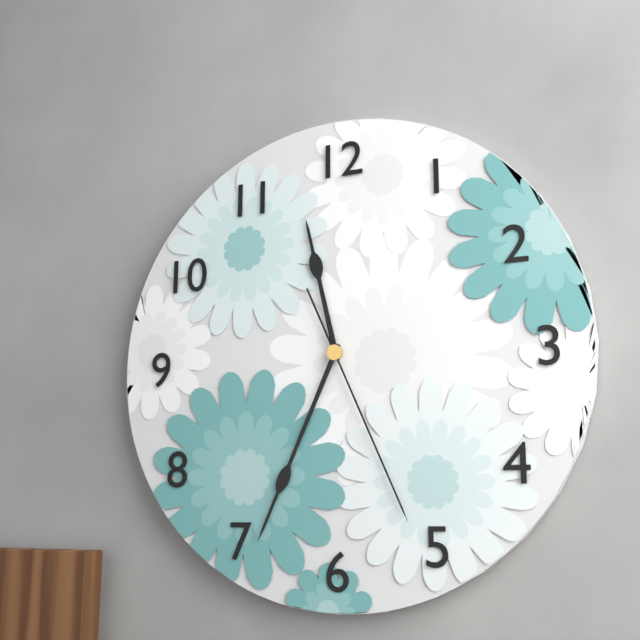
11:34:26
